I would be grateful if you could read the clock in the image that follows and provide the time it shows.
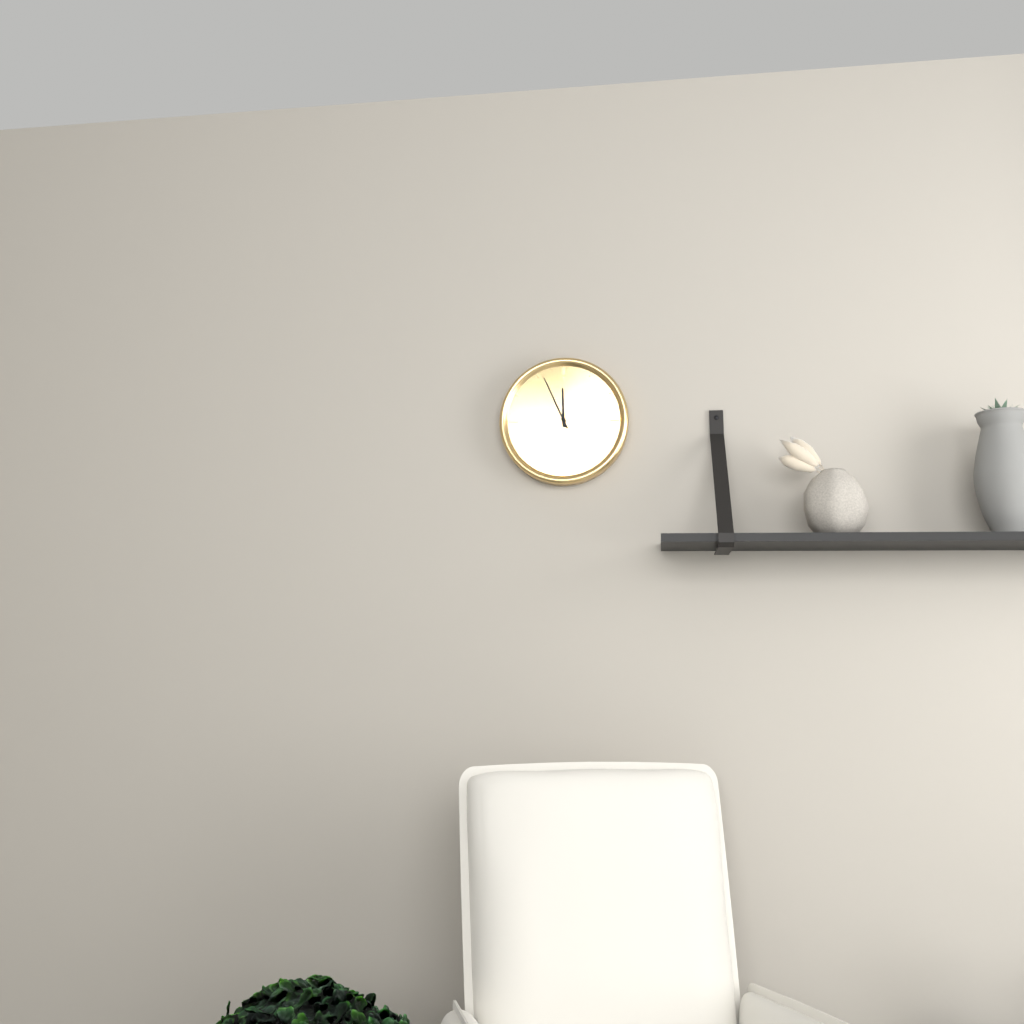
11:56
